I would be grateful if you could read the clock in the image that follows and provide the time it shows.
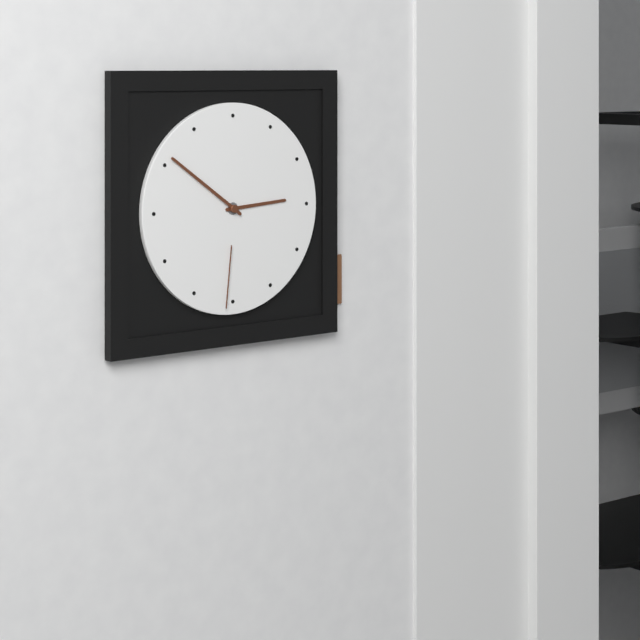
2:51:31
